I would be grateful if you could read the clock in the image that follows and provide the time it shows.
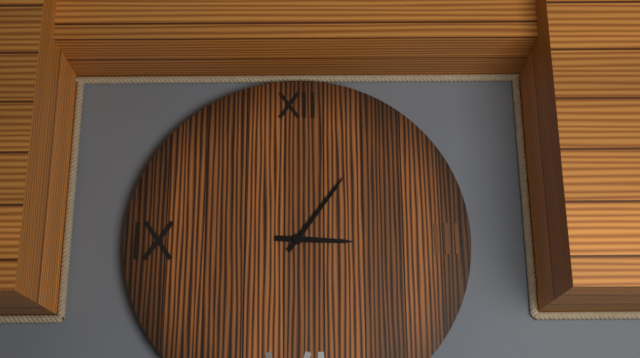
3:06
